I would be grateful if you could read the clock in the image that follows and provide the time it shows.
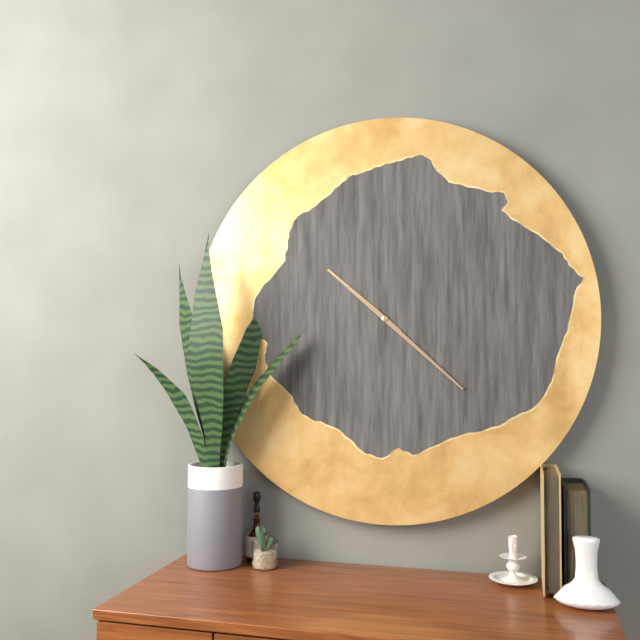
10:22
